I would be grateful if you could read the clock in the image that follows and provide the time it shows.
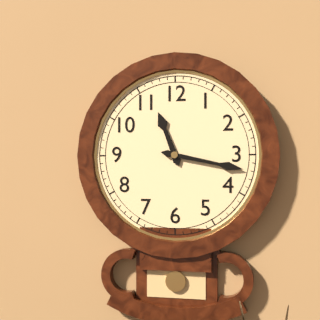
11:17
